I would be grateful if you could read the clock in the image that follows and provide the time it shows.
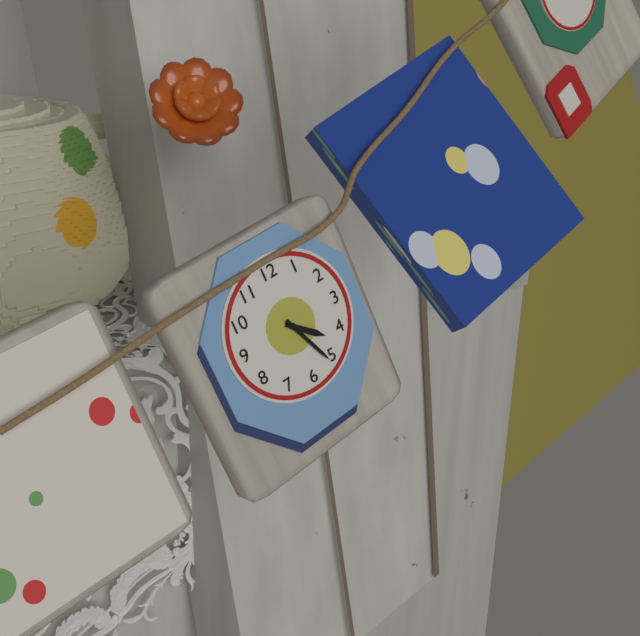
4:26
